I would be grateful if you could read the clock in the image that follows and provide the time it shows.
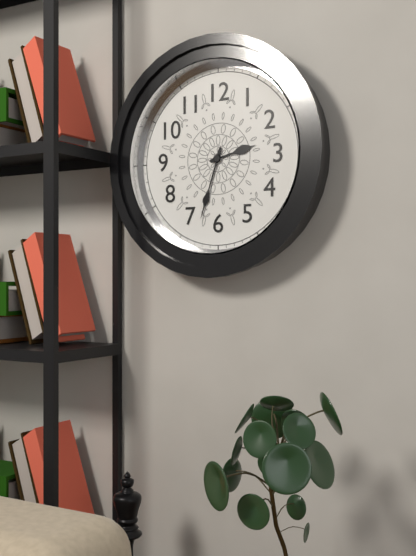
2:33
